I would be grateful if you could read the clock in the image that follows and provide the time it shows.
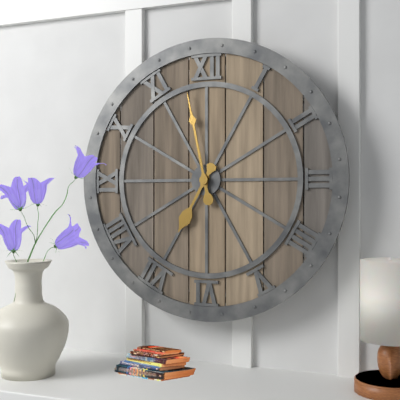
6:58
